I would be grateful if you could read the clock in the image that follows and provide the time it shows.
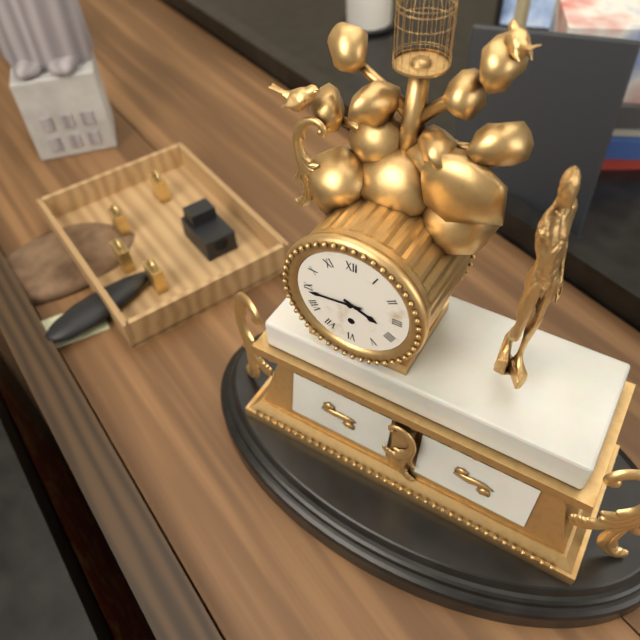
3:44
